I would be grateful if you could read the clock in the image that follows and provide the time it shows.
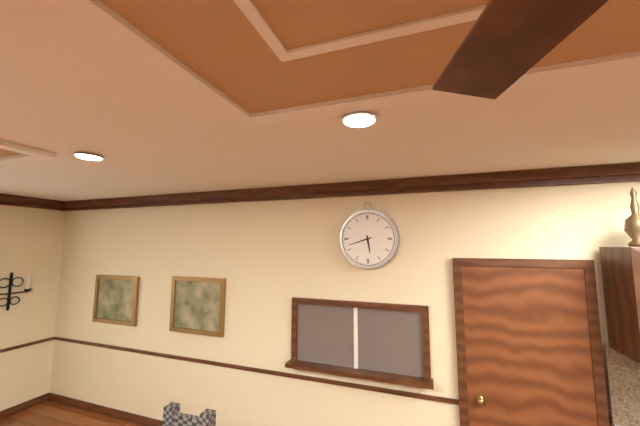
5:42
